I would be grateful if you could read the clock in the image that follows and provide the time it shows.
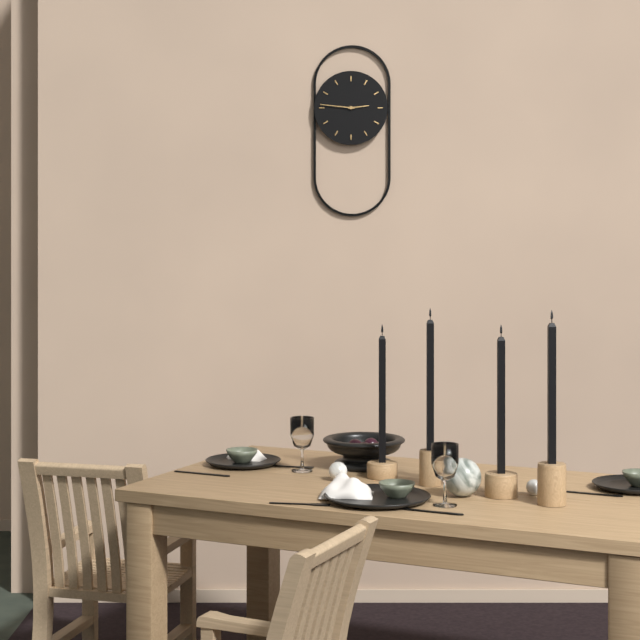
2:46
